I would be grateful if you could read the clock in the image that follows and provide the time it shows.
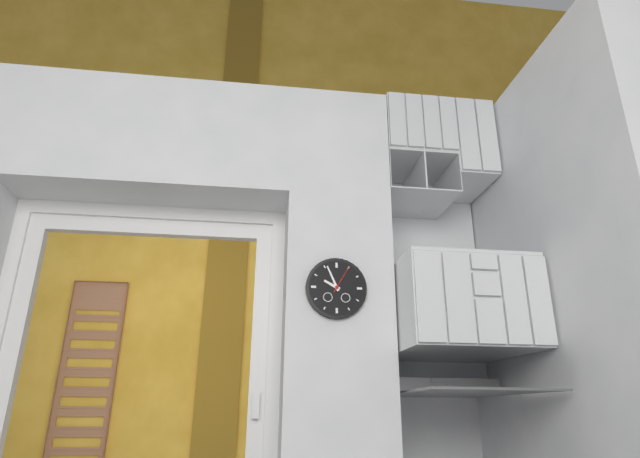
9:56
